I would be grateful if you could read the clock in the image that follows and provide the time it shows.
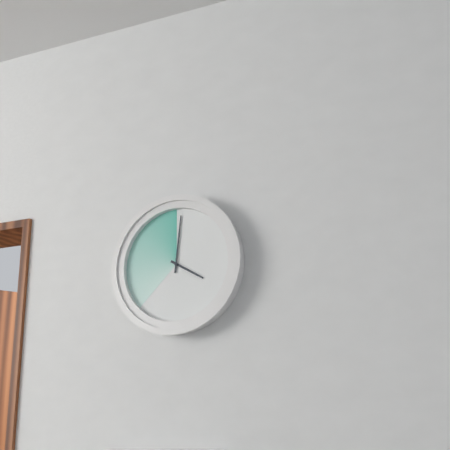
4:01
